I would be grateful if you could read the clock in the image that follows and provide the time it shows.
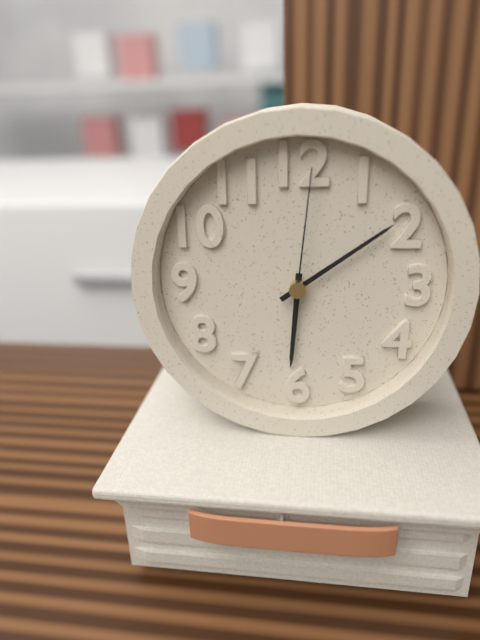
6:09:01
